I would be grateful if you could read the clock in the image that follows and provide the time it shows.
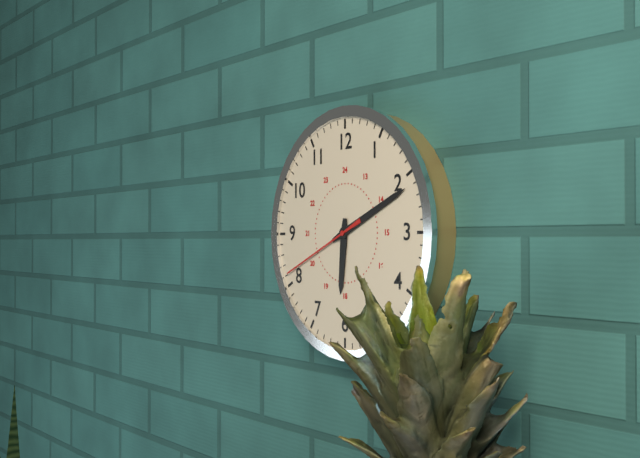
6:11:41
